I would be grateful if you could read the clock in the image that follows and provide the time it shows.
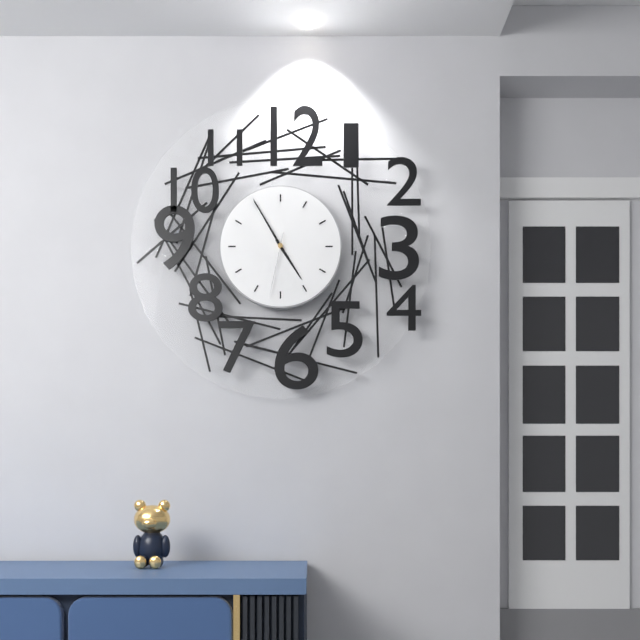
4:55:32
